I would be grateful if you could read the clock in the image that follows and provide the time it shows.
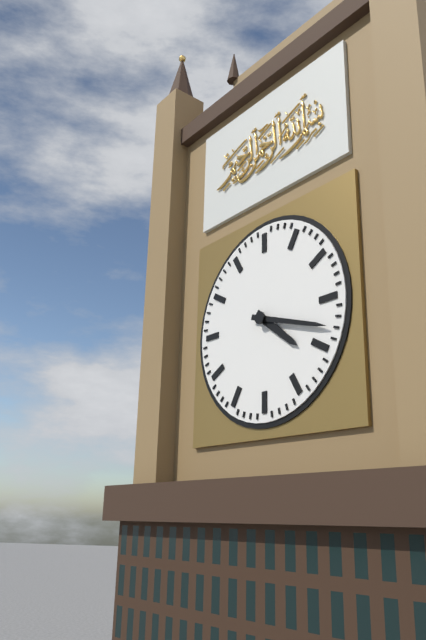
4:18
